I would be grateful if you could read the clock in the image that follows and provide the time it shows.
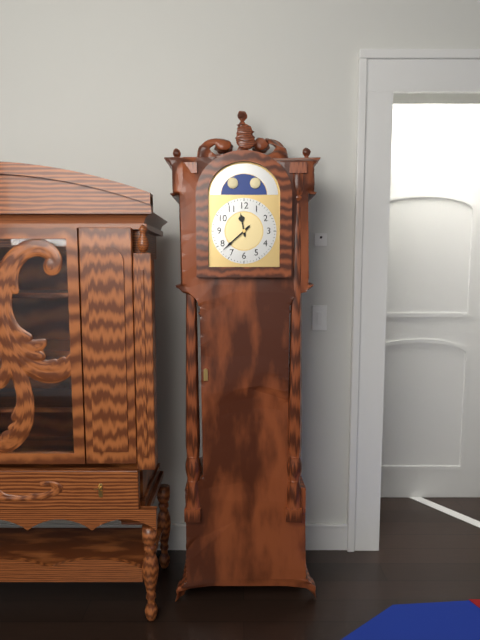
11:38
